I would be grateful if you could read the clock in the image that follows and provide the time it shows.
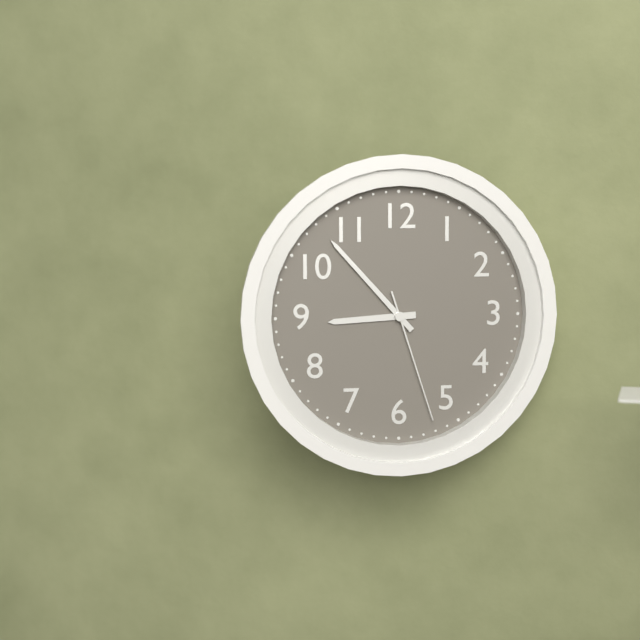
8:53:27
